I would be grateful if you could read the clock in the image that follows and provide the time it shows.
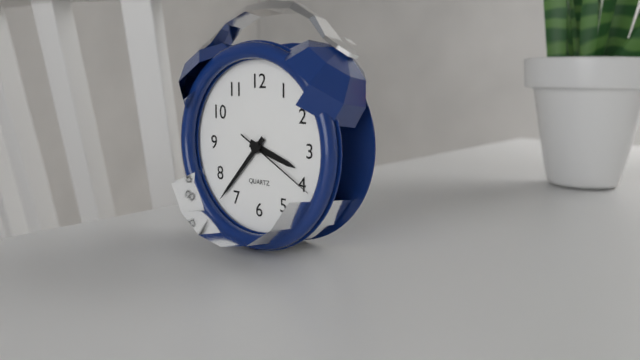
3:37:20
